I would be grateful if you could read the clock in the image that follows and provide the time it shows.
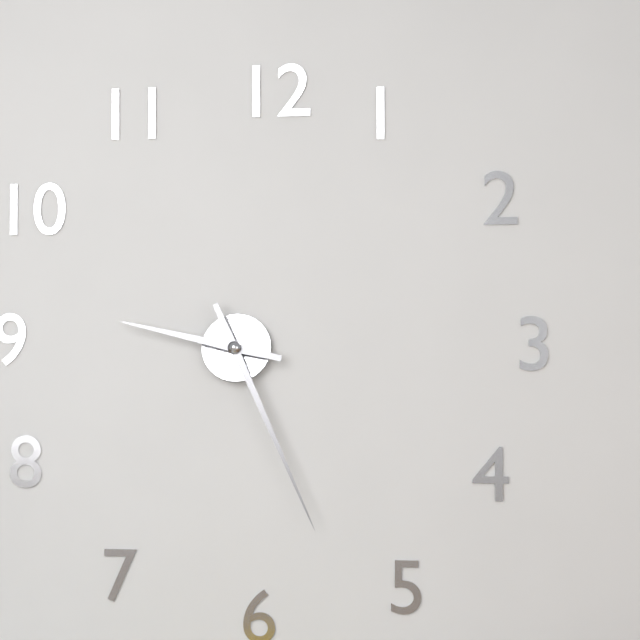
9:26
